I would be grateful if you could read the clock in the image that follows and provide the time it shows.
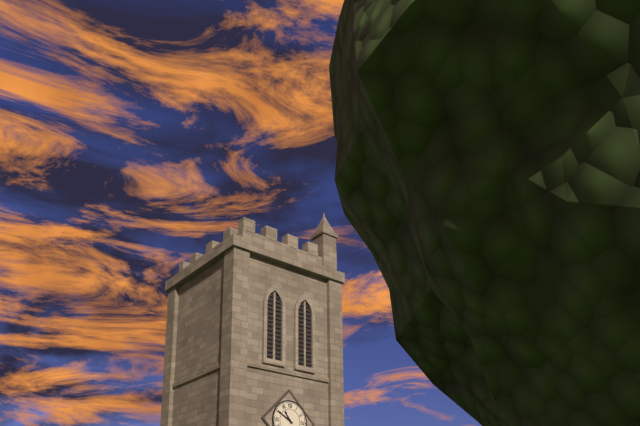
10:50
